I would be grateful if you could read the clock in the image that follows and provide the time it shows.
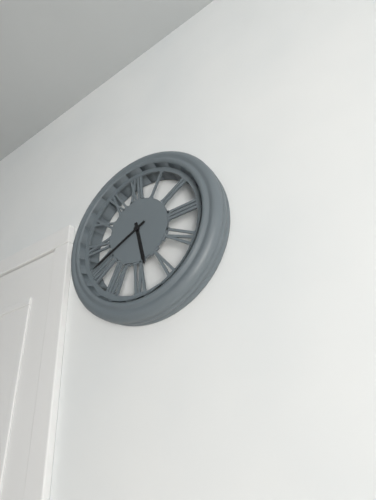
5:41
